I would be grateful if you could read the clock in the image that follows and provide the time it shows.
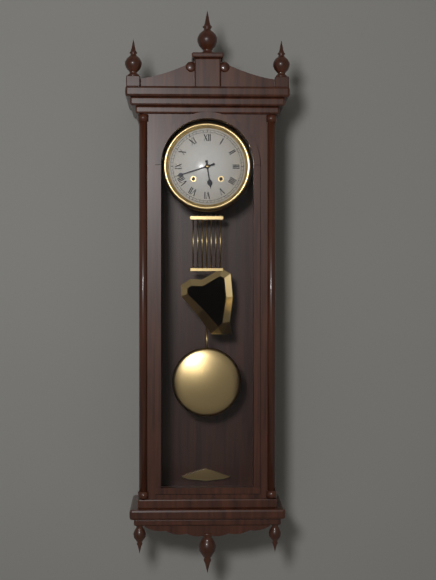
5:42
